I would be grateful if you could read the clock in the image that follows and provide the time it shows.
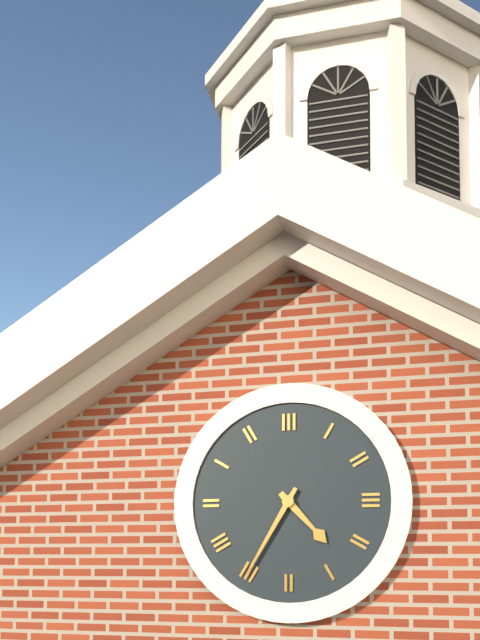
4:35
